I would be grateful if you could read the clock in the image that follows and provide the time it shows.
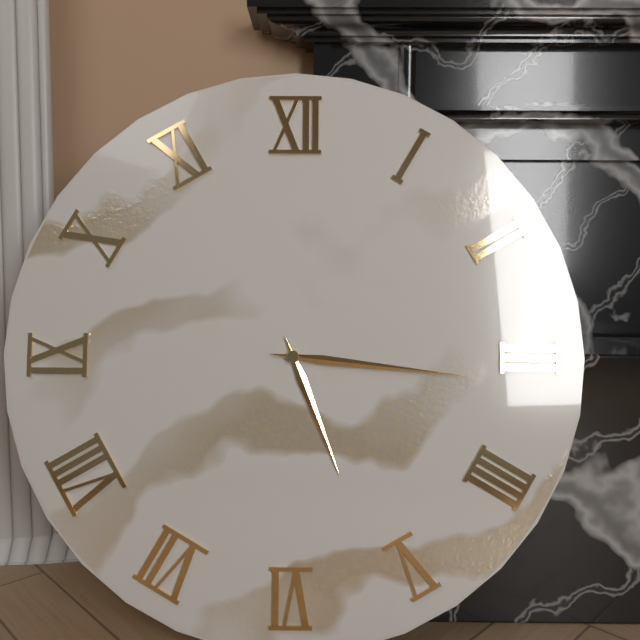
5:16
